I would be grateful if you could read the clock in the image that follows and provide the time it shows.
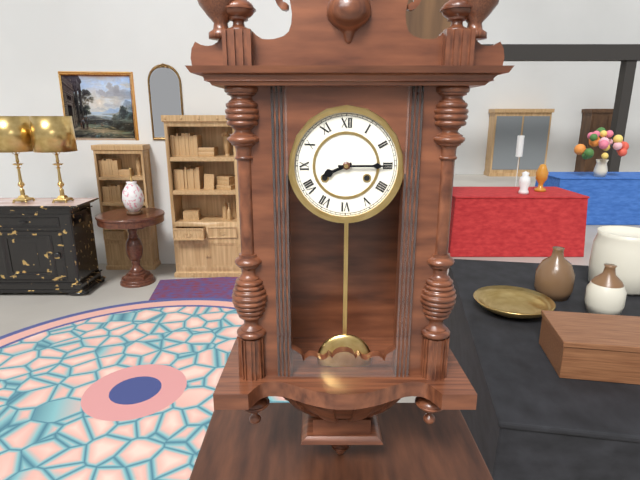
8:15
